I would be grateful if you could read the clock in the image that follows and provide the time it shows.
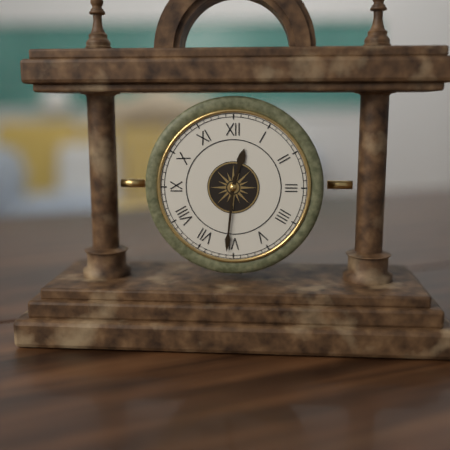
12:31
